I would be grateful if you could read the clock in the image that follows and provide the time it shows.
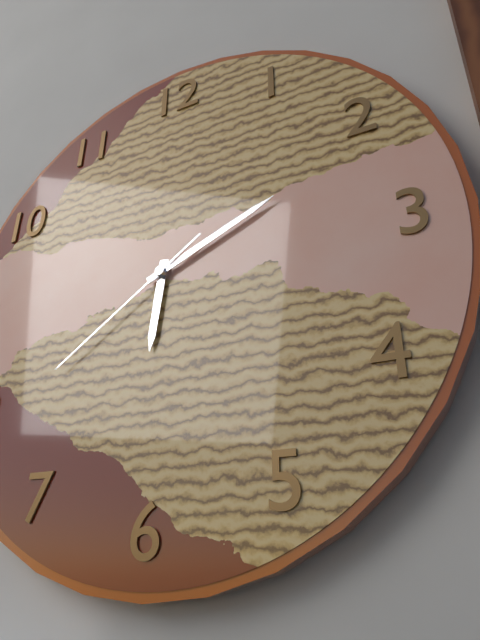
6:11:39
